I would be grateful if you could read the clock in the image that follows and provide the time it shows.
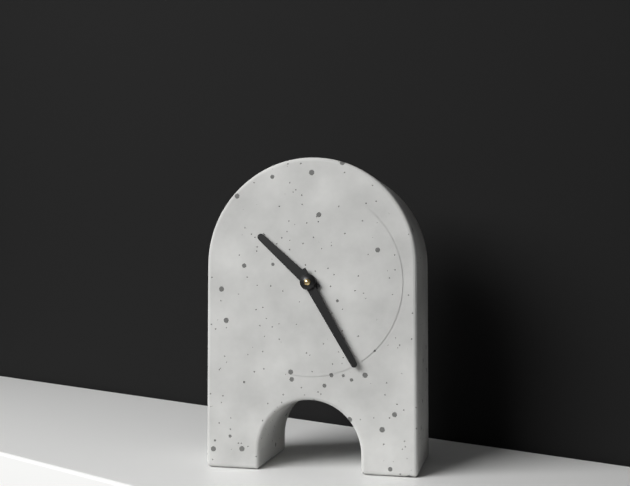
10:25
